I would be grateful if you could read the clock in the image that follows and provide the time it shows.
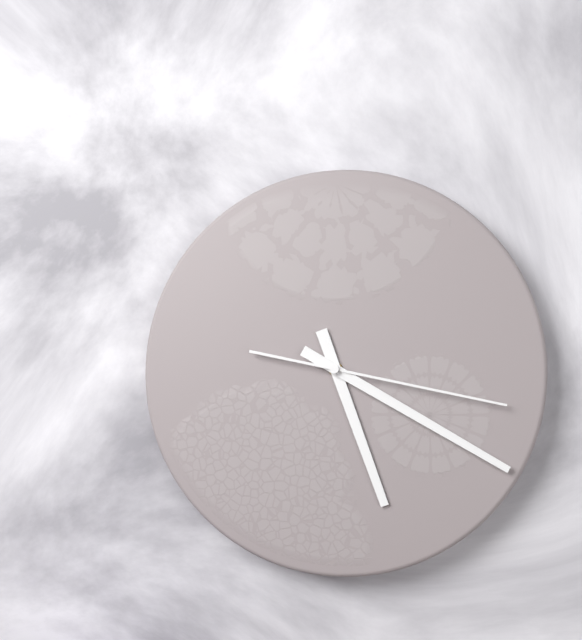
5:20:17
